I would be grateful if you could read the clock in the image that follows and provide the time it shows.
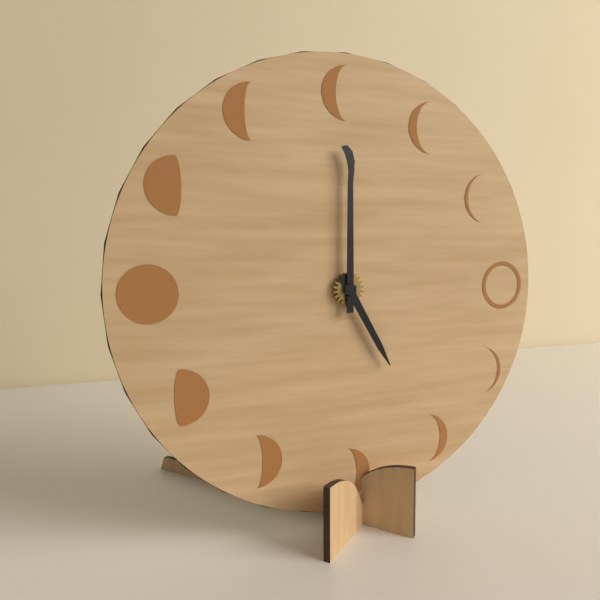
5:00
